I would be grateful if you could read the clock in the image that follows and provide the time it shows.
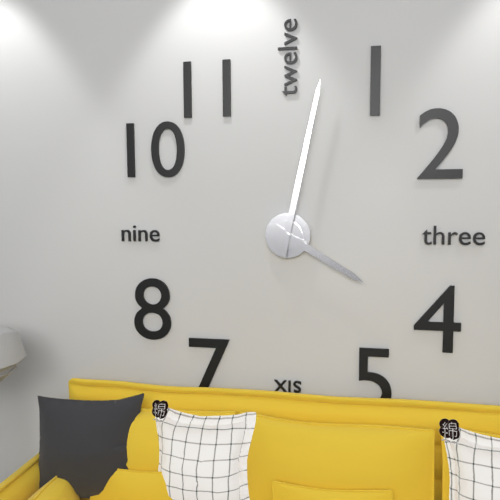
4:02
